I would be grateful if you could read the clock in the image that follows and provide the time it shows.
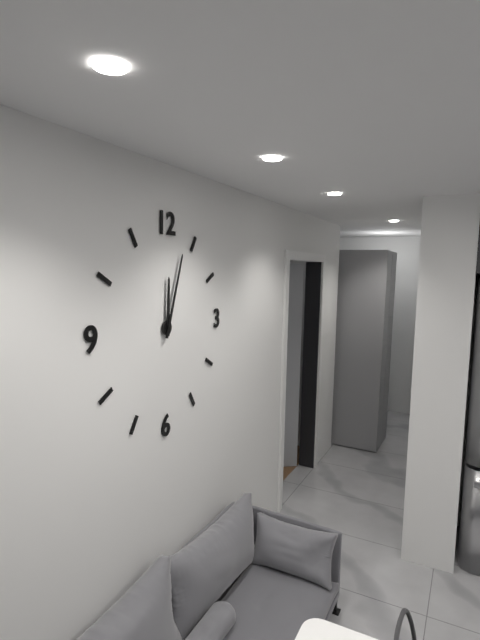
12:03
